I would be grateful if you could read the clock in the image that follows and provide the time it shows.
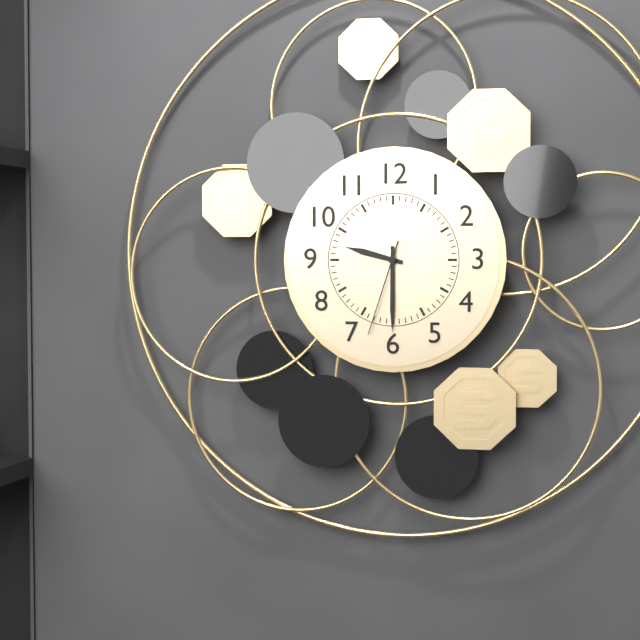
9:30:33
